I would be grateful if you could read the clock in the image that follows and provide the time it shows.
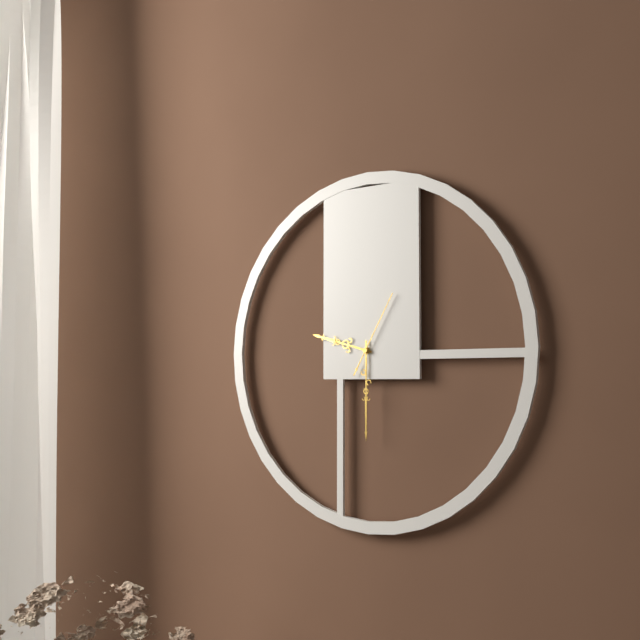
9:30:05
